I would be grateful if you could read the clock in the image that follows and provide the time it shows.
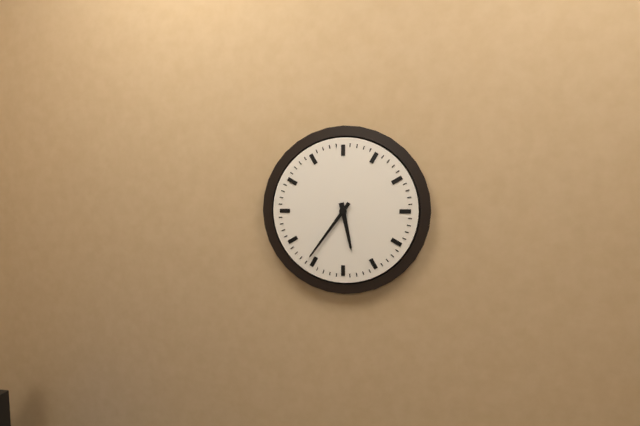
5:36
